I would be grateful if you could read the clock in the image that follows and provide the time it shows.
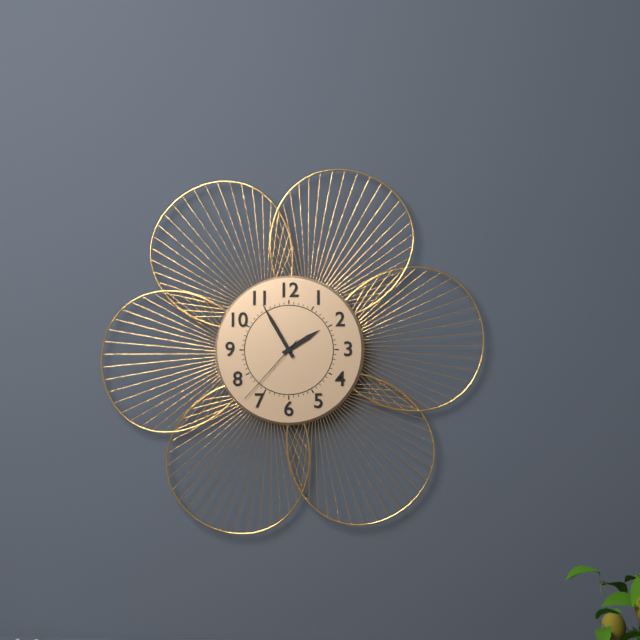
1:55:37
